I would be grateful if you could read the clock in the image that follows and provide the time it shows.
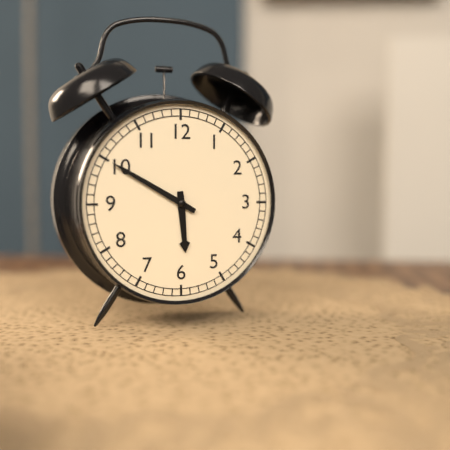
5:50
